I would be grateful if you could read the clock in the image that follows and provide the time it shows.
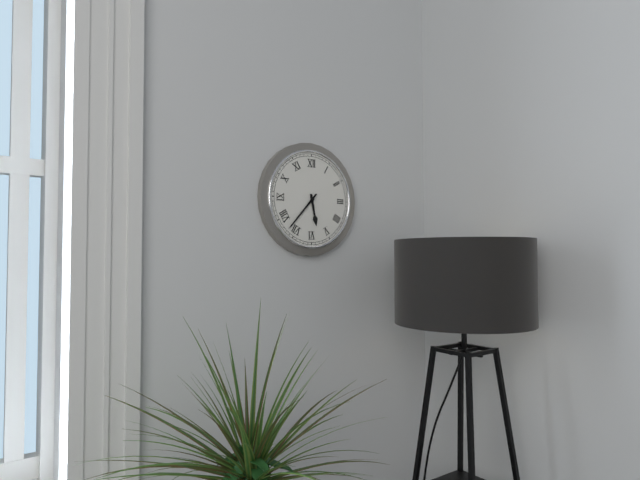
5:37
